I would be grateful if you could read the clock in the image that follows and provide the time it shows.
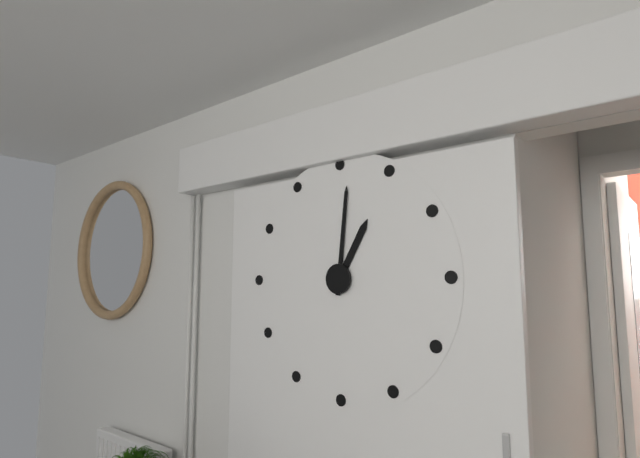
1:01
